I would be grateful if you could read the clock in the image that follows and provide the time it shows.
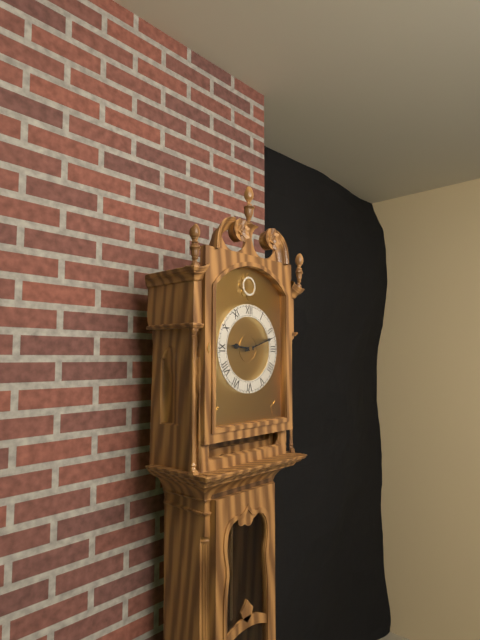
9:12
